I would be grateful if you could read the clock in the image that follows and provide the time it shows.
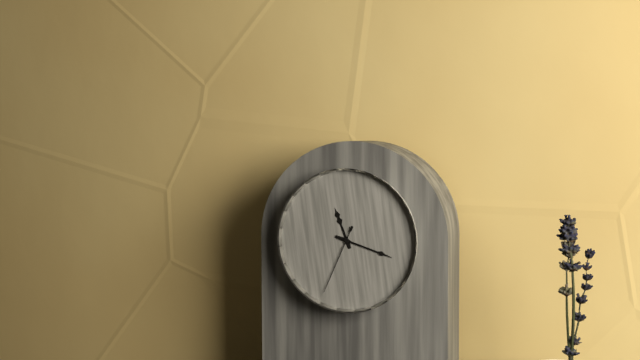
11:18:34
